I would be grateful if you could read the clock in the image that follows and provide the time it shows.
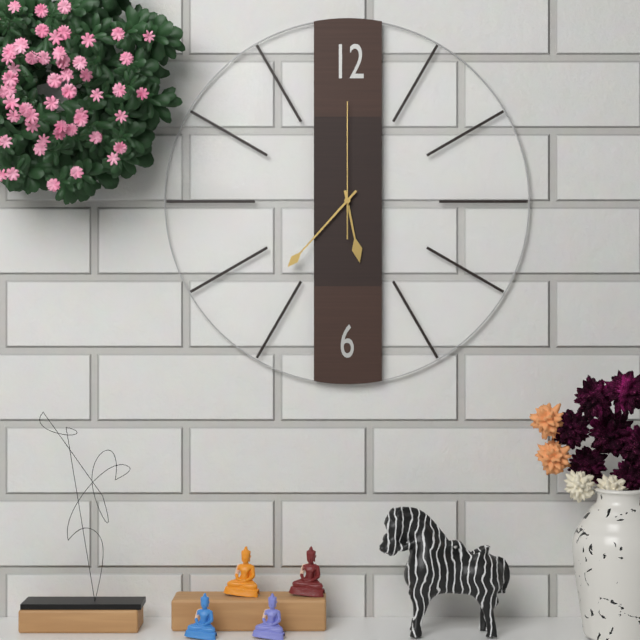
5:37:00
